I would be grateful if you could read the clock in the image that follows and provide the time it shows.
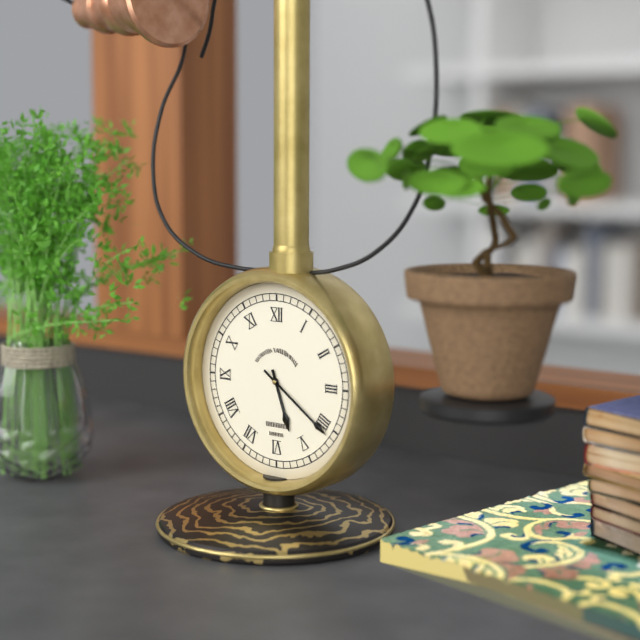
5:21
